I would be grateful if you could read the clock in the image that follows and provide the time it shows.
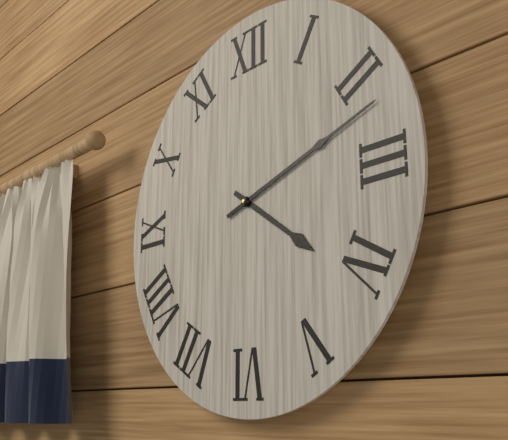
4:12
